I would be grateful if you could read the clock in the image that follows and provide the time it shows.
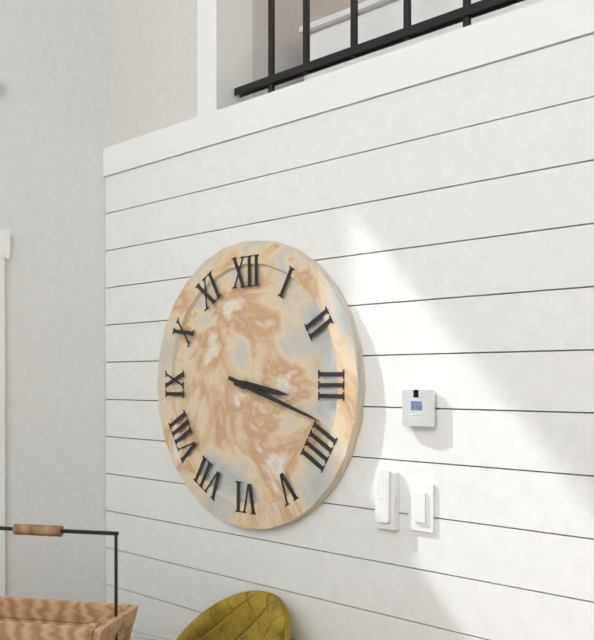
3:18
